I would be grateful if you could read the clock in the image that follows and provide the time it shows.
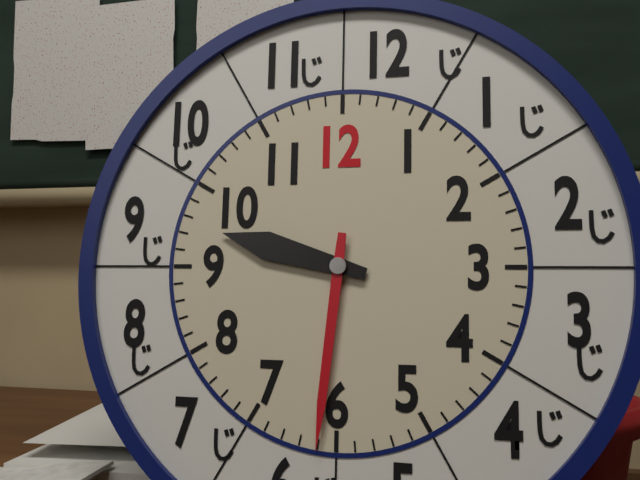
9:31
